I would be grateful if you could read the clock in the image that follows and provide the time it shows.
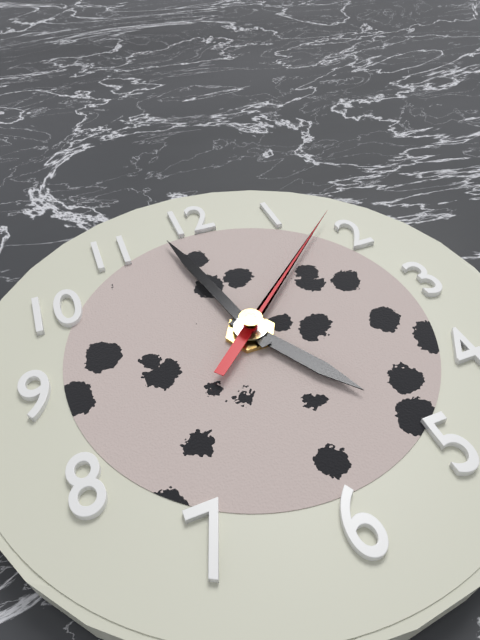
4:58:08
